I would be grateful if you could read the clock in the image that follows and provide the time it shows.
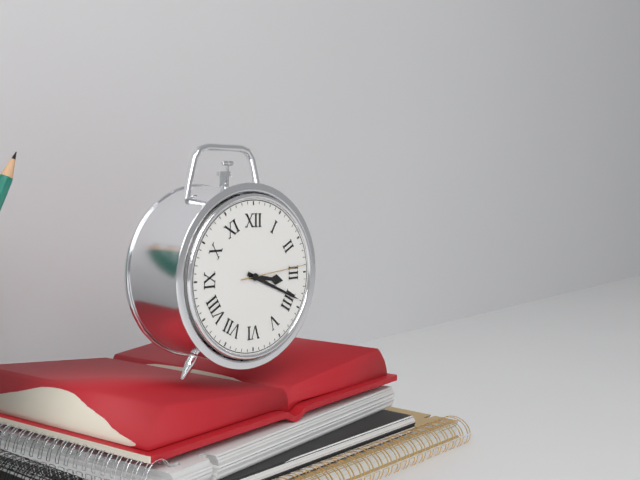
3:19:14
